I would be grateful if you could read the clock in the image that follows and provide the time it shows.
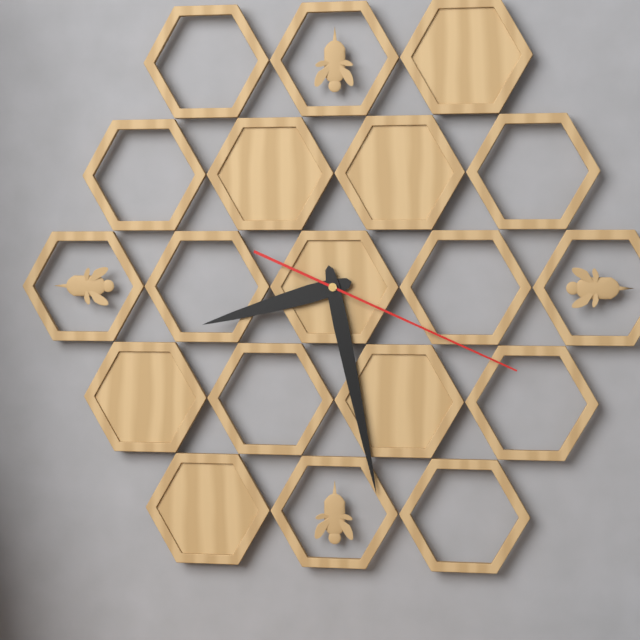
8:28:19
